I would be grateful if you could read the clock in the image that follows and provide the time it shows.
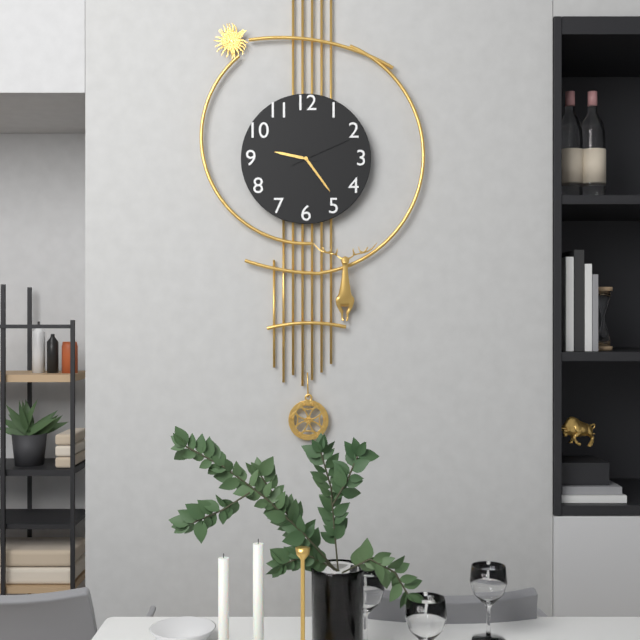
9:24:11
